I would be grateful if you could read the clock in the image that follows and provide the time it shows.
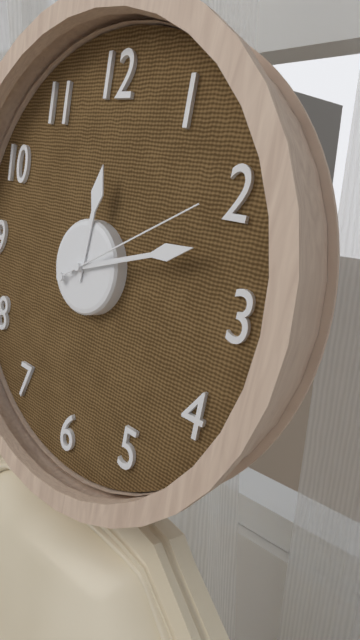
12:12:10
